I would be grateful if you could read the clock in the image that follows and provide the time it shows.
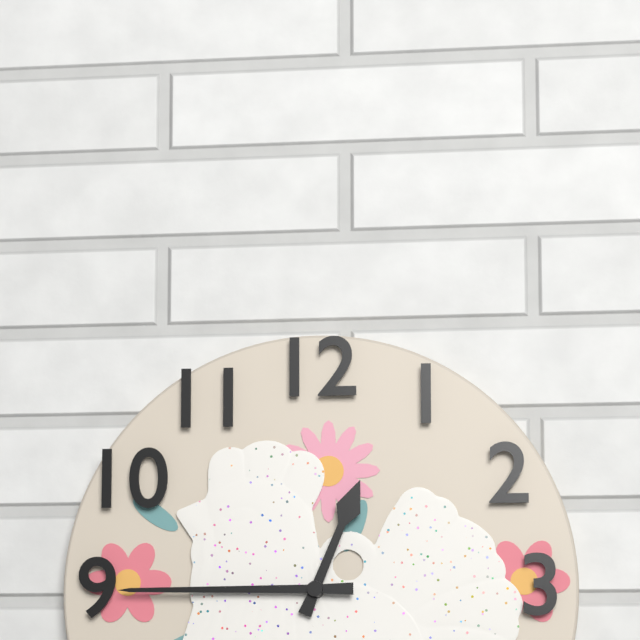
12:45
